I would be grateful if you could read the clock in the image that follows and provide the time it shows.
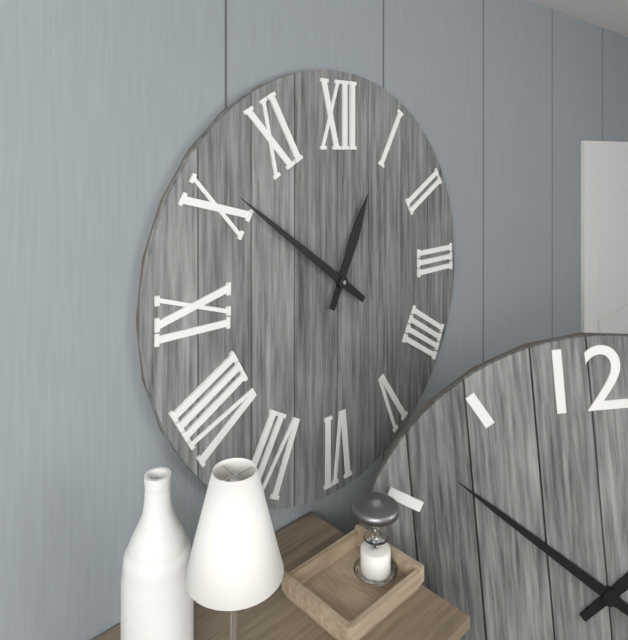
12:51
